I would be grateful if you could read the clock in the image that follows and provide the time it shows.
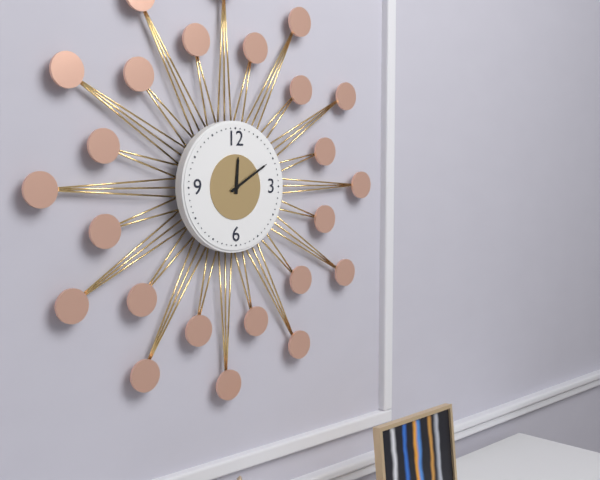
12:10
